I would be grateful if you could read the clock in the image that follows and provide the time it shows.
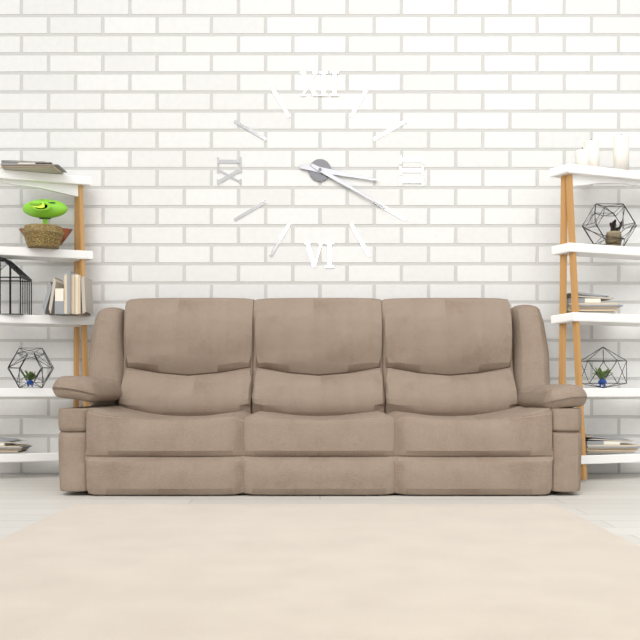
3:20
